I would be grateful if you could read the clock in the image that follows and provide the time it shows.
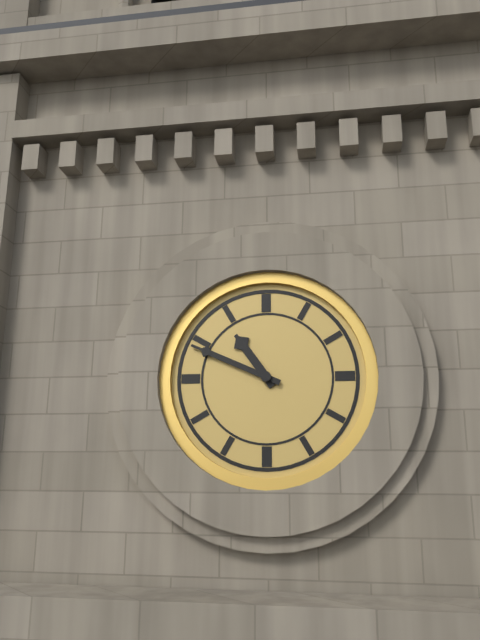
10:49
